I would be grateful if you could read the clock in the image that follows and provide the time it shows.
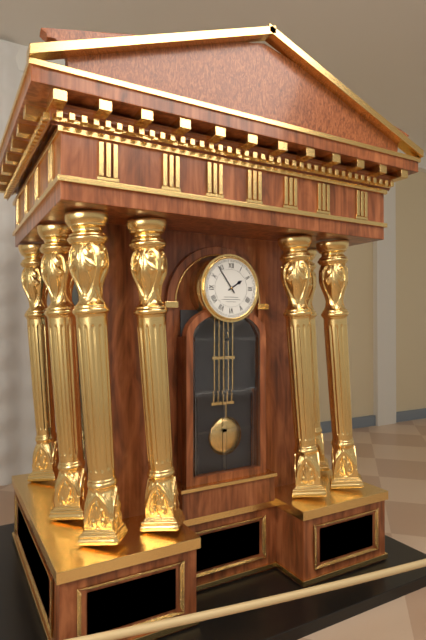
1:54
